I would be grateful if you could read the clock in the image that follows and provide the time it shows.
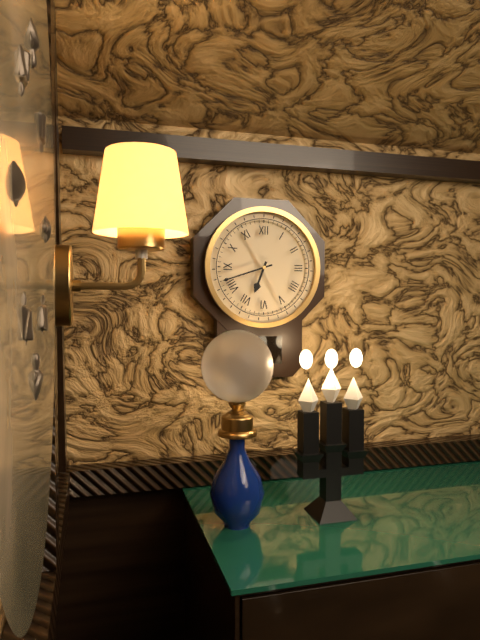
6:42
